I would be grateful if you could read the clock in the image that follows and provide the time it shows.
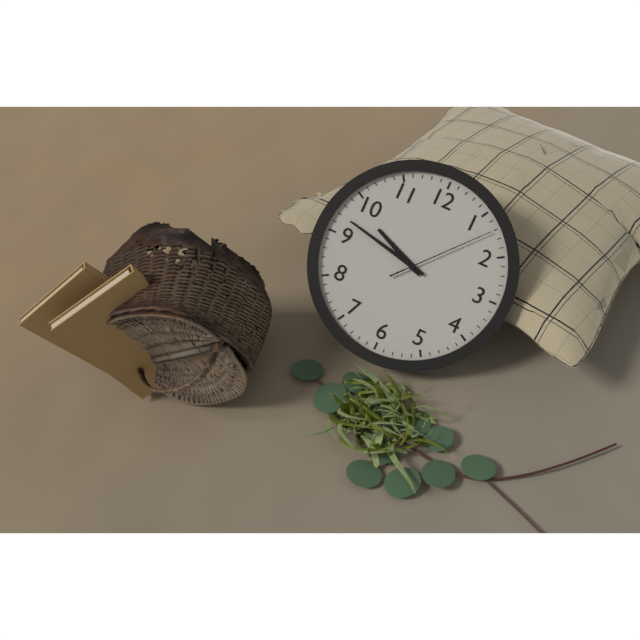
9:47:07
